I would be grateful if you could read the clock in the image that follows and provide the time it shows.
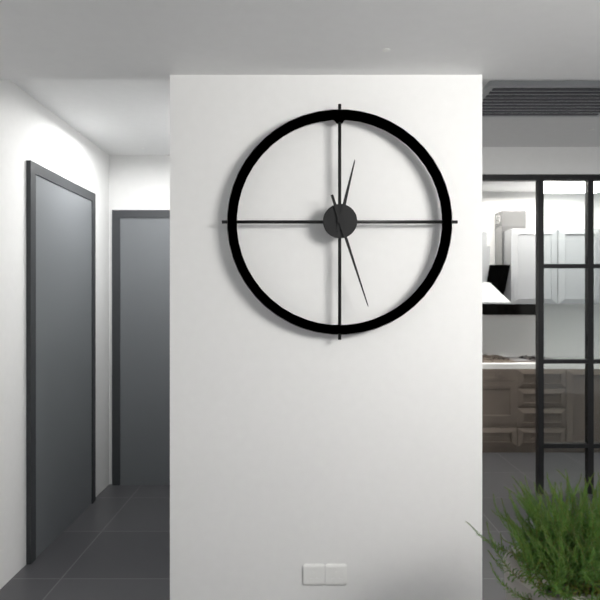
12:27
